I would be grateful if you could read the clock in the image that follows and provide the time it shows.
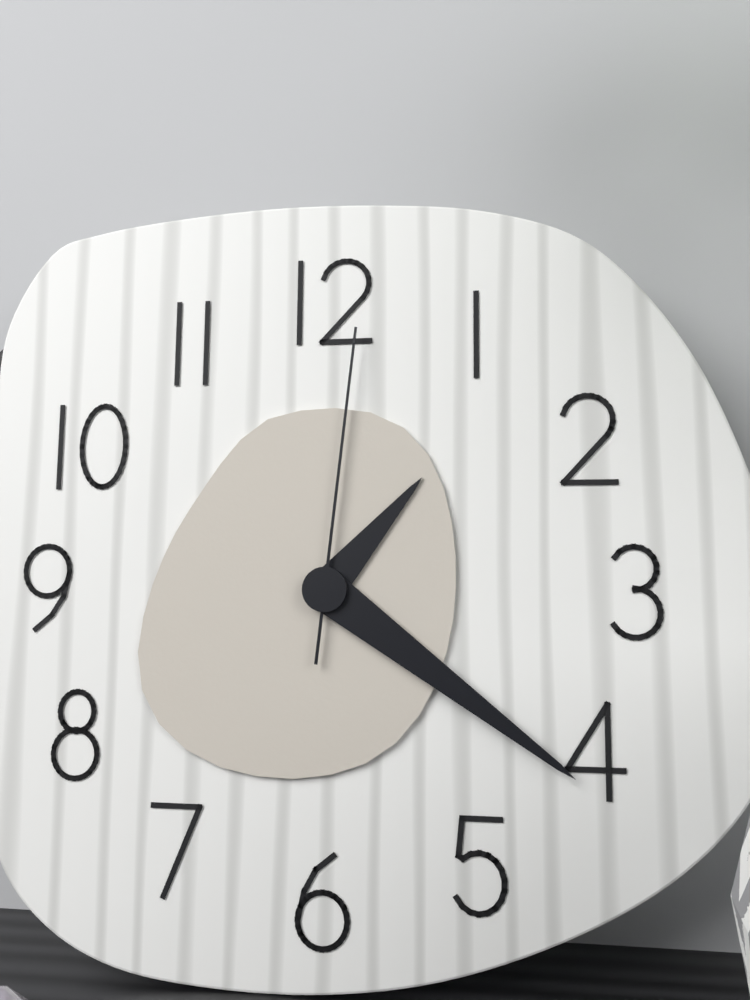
1:21:01
